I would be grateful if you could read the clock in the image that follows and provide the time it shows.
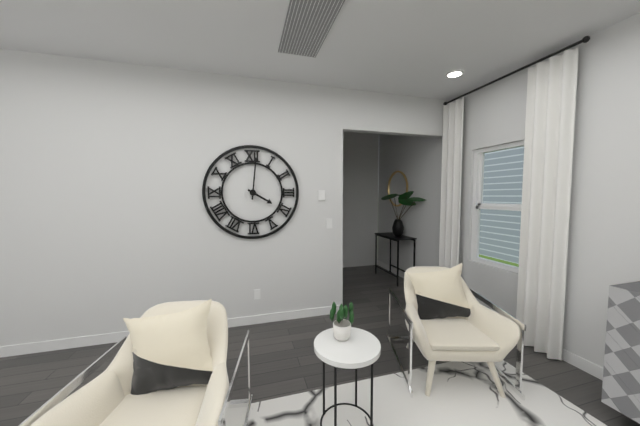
4:01
